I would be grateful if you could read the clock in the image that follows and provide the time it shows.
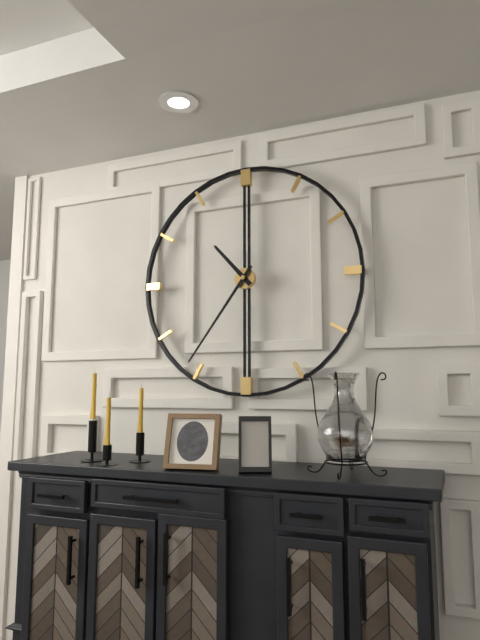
10:36
